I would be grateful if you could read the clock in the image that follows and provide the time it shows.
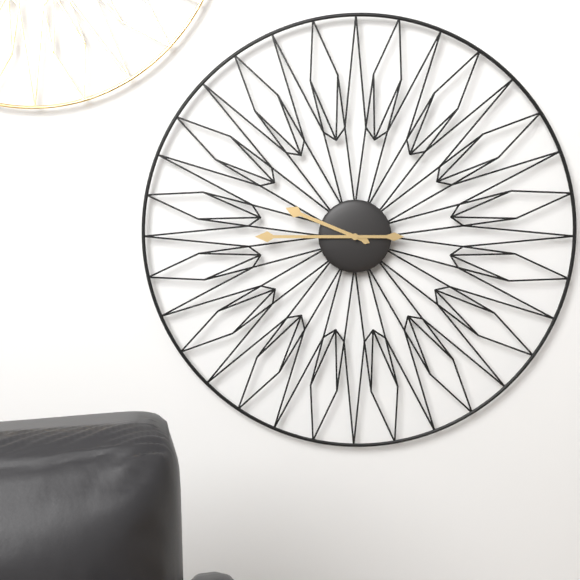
9:45
